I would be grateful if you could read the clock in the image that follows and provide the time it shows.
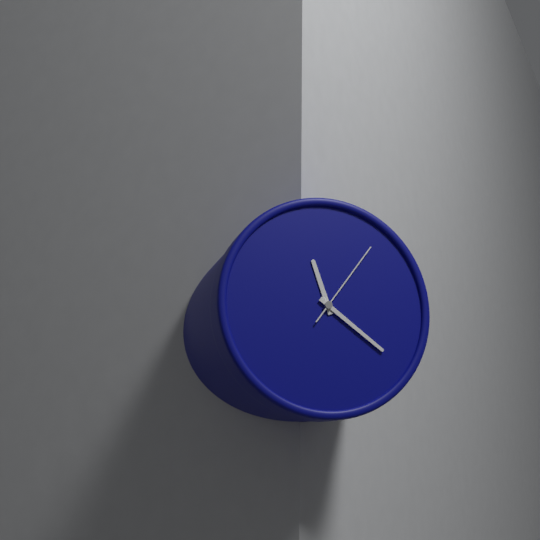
11:21:06
